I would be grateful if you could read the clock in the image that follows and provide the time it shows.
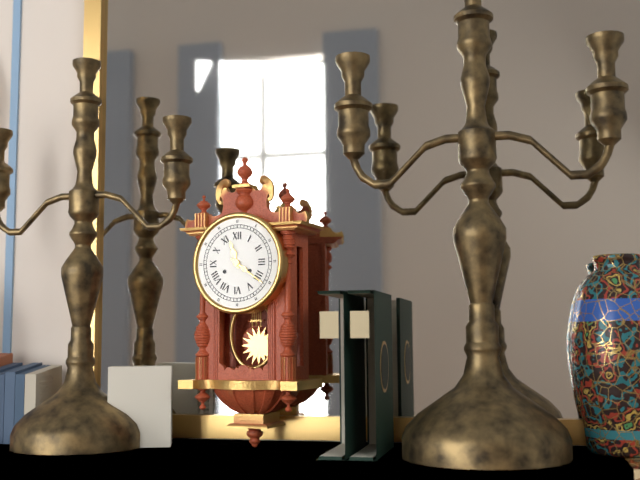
11:21
